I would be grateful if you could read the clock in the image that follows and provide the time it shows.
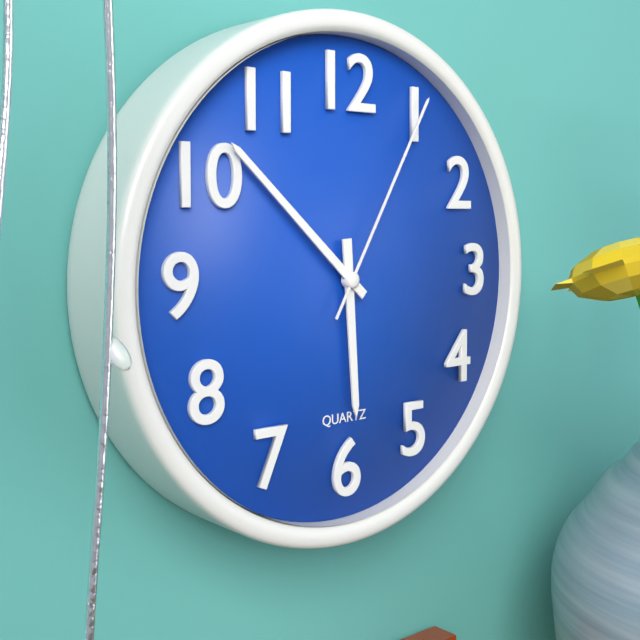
5:52:05
